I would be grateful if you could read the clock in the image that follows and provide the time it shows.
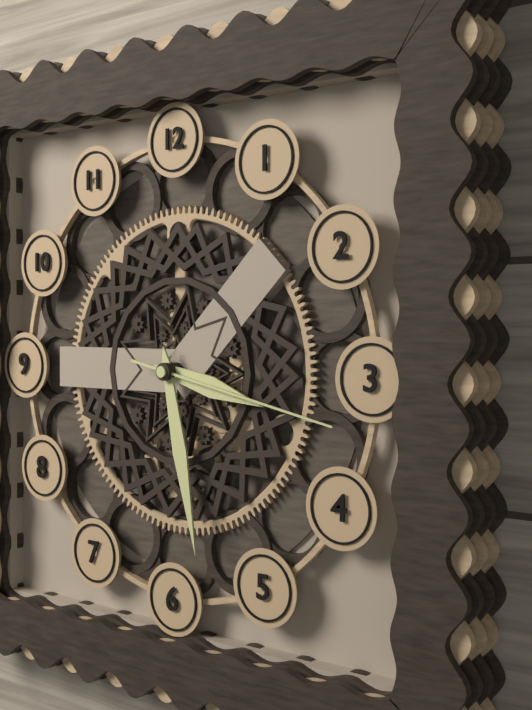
3:28:17
